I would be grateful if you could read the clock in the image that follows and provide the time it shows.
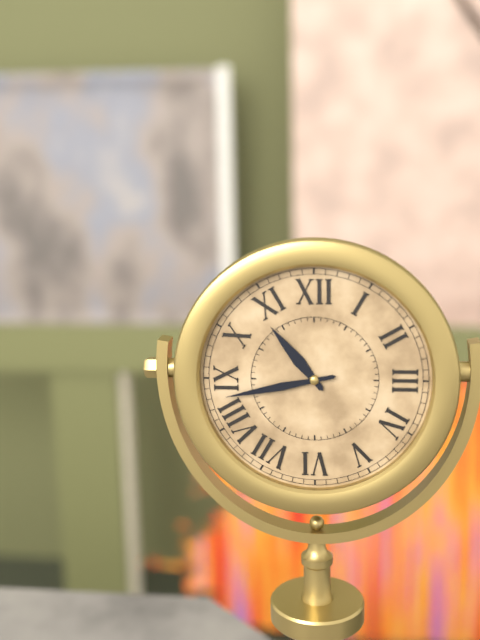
10:43
